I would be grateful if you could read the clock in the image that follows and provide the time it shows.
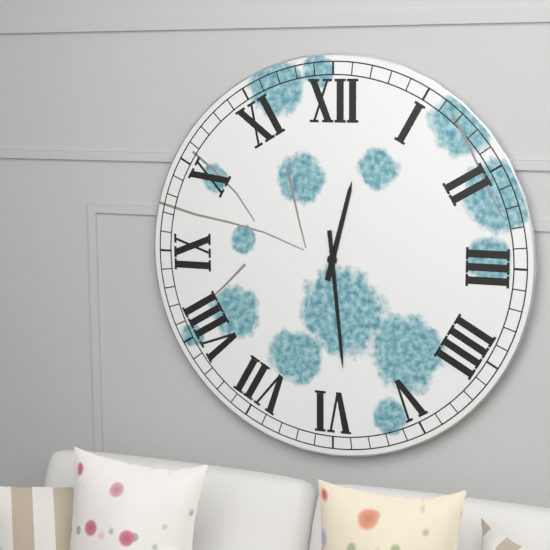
12:29
